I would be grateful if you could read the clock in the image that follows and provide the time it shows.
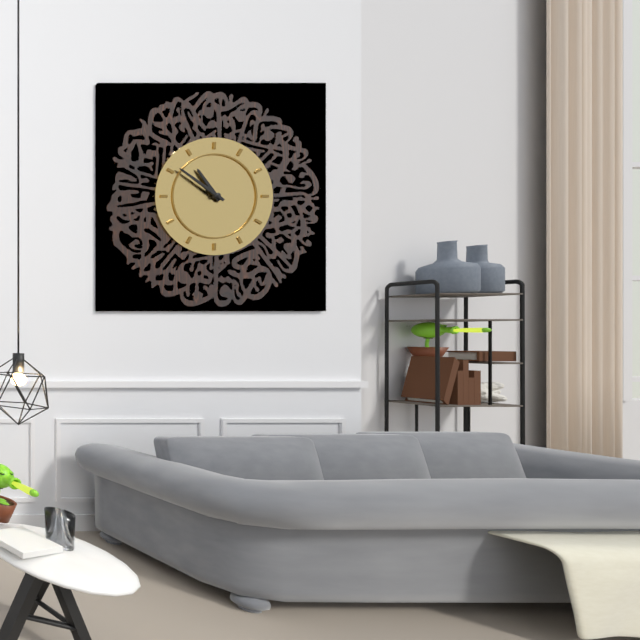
10:51
